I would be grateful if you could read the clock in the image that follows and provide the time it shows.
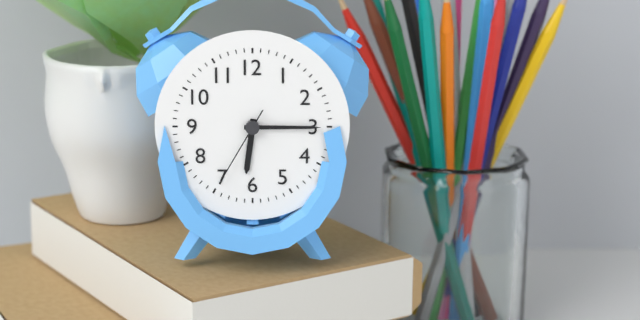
6:15:35
